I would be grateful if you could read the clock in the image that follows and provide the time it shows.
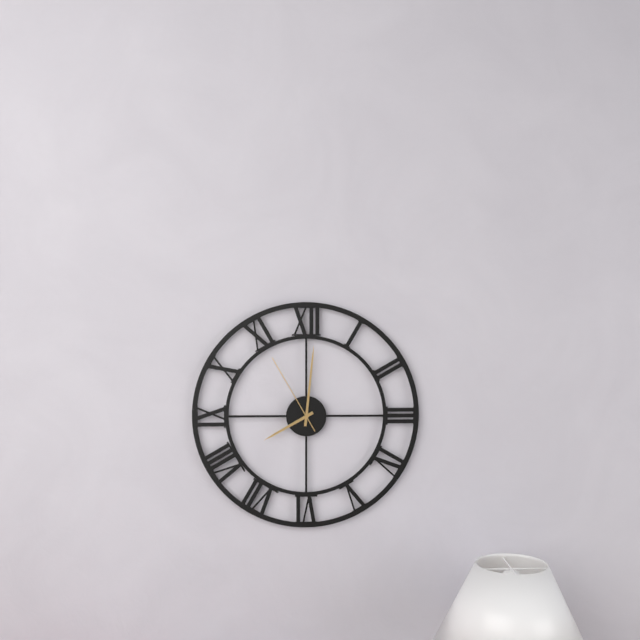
8:01:55
